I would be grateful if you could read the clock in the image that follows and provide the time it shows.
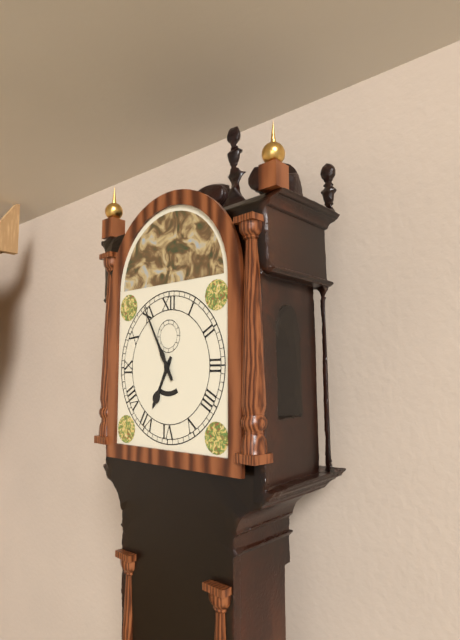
6:55
